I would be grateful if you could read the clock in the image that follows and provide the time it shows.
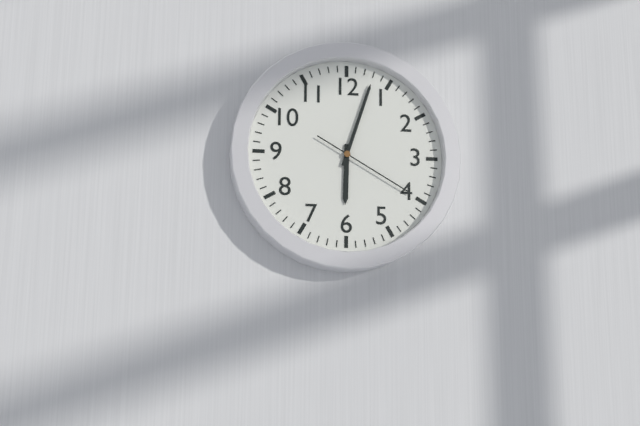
6:03:20
